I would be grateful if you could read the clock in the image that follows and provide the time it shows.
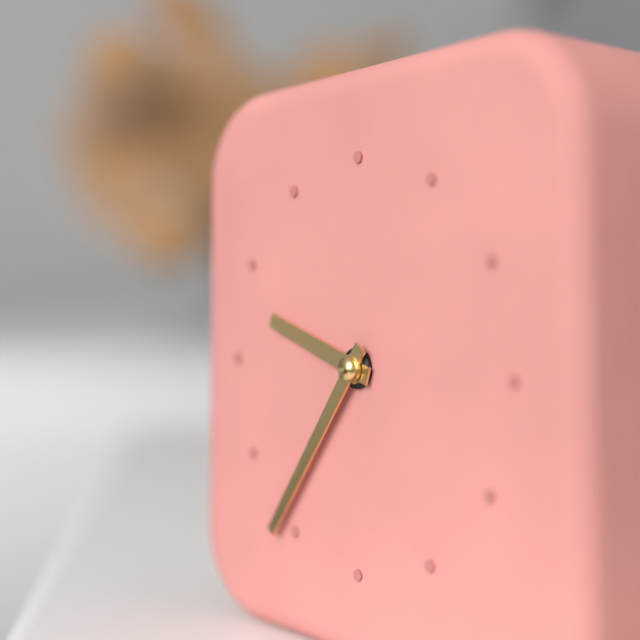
9:36
